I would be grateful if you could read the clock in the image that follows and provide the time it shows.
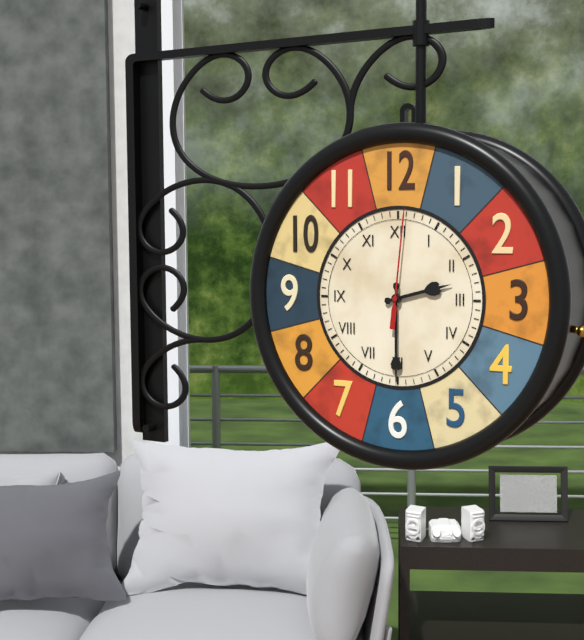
2:30:01
